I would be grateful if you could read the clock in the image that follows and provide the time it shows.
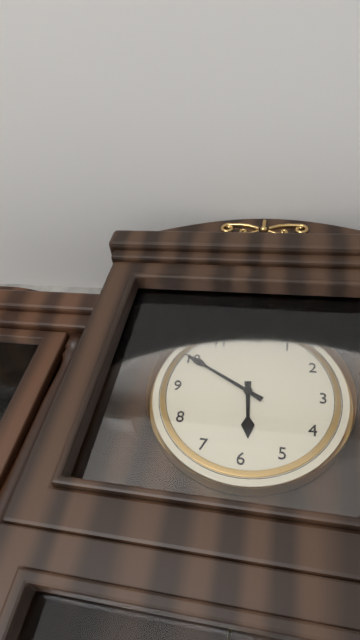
5:50
